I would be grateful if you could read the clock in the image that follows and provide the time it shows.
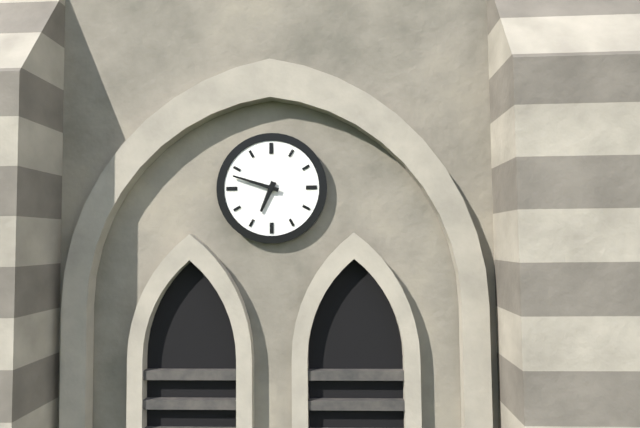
6:48
